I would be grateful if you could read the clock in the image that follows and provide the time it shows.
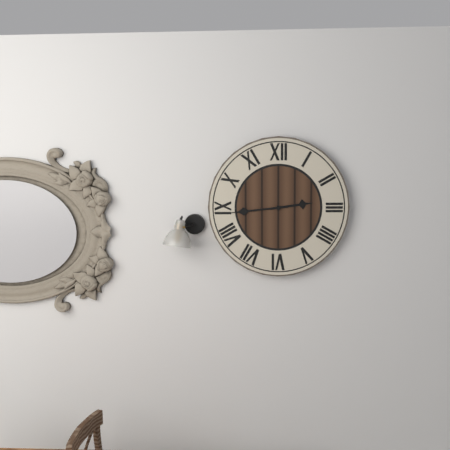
2:44
